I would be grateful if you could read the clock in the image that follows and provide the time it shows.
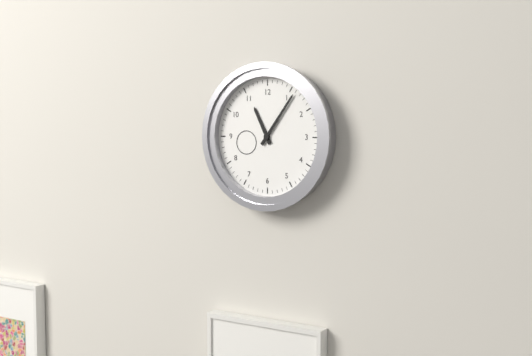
11:06
